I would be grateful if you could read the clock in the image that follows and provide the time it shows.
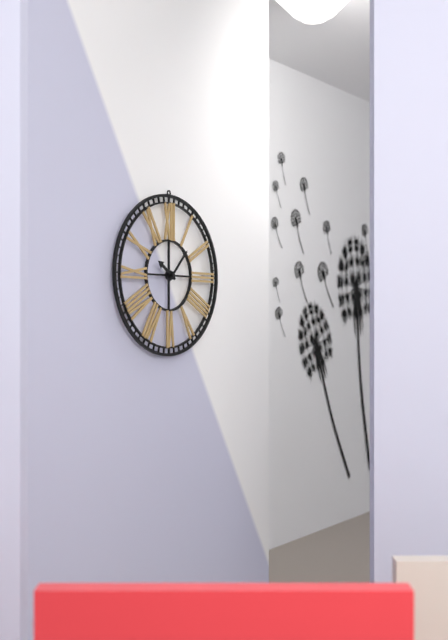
10:07
